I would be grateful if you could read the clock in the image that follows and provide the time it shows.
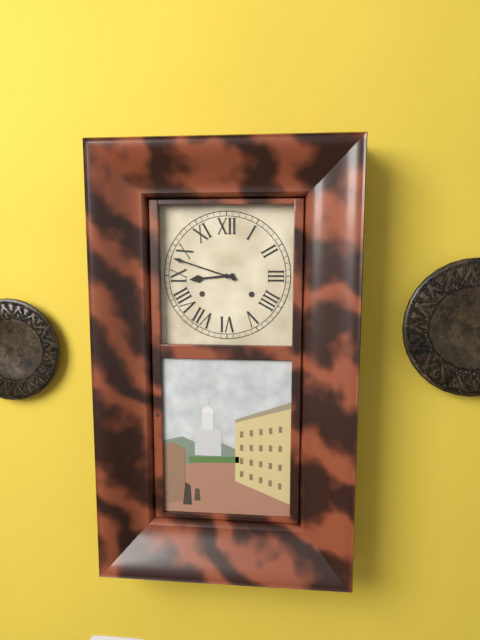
8:48
